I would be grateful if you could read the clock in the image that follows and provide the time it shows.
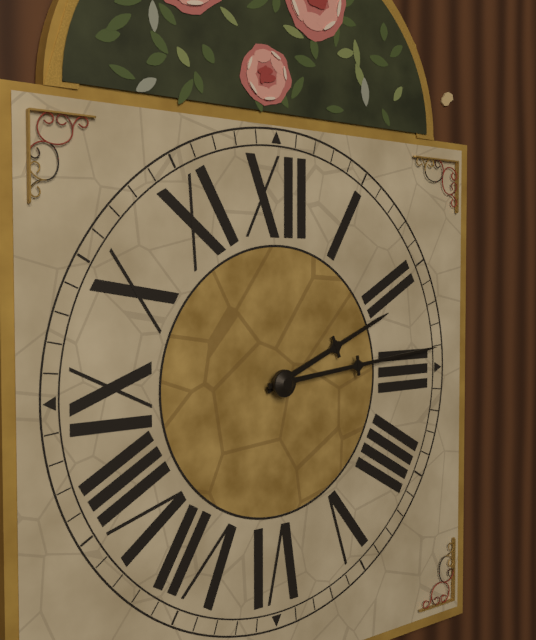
2:14
